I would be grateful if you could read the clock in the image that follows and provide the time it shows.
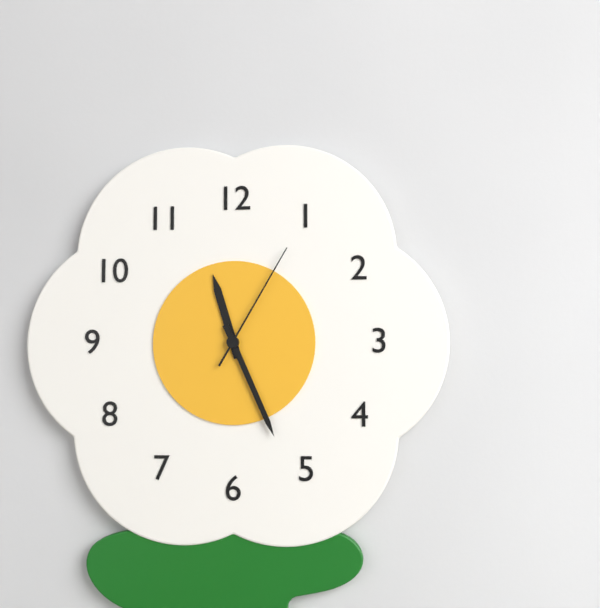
11:26:05
